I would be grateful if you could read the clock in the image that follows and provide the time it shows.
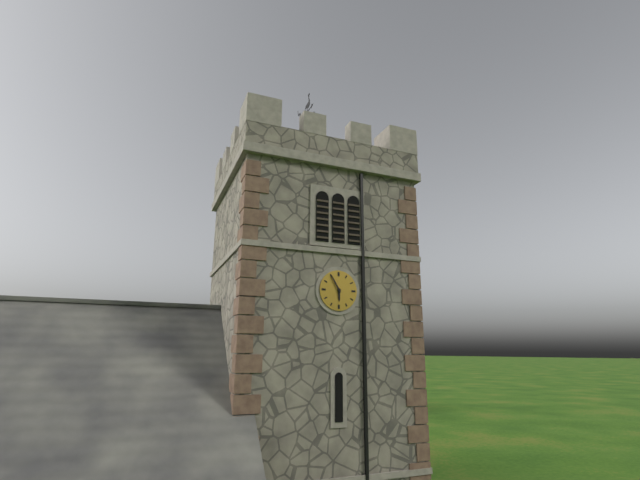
5:55
